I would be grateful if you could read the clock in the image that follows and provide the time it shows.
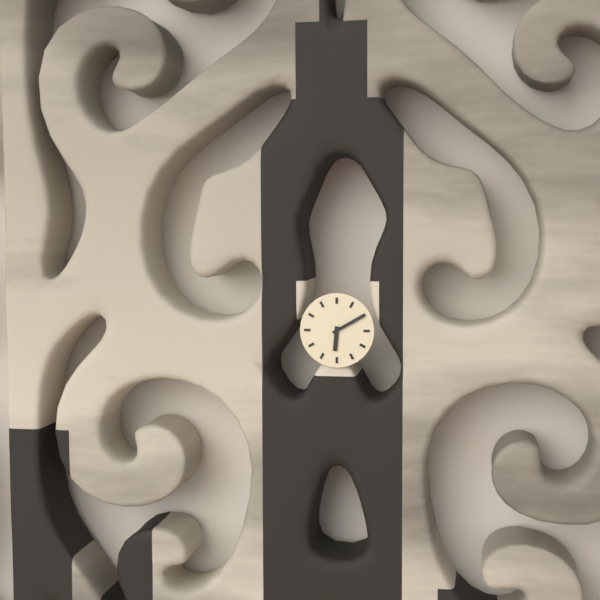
6:10
